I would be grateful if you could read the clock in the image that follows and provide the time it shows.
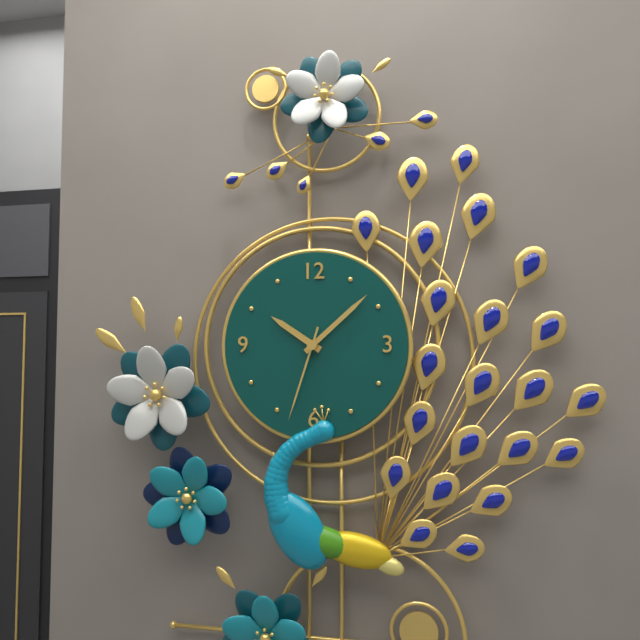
10:08:33
